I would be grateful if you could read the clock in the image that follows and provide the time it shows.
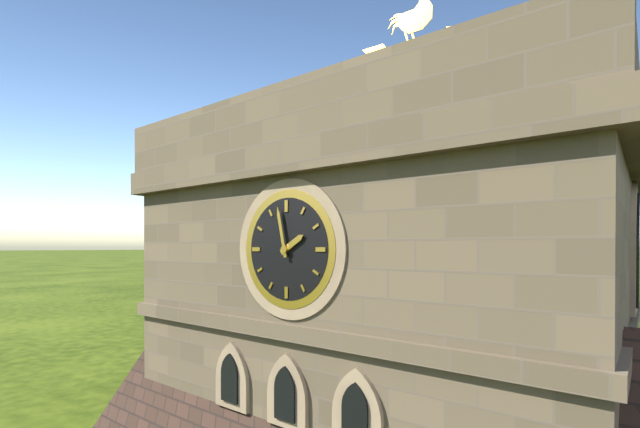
1:58
